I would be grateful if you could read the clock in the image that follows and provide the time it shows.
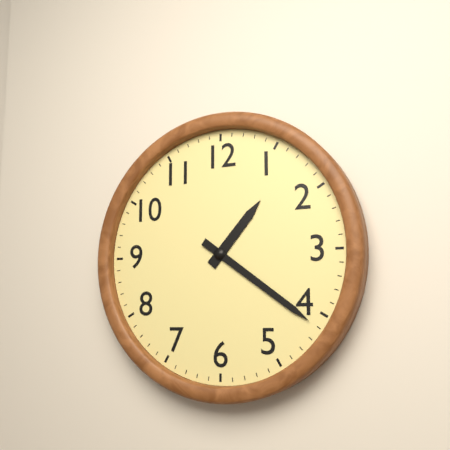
1:21
